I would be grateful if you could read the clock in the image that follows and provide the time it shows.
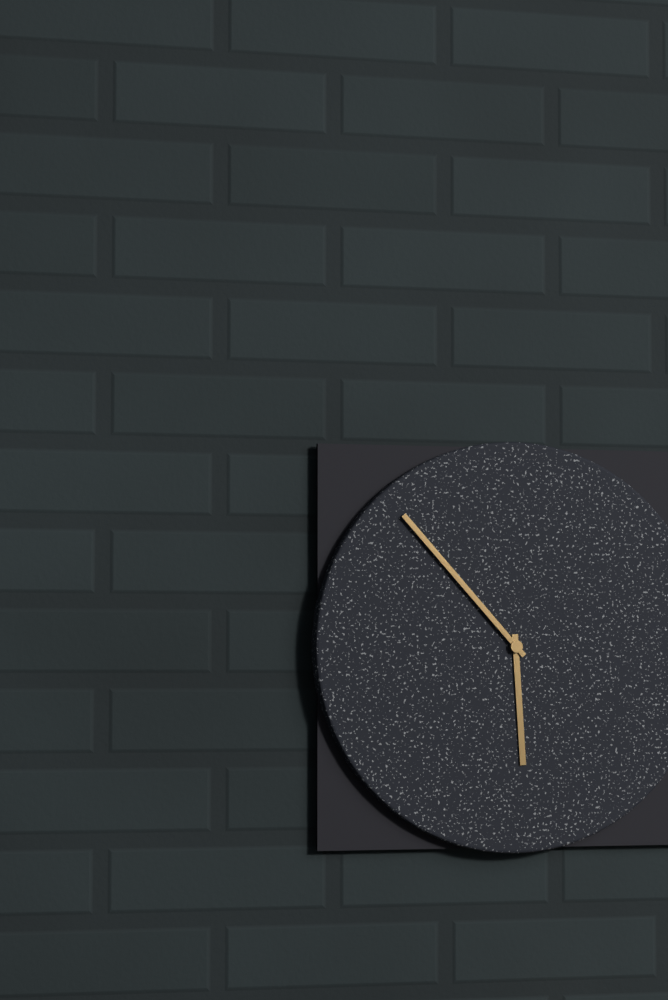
5:53
